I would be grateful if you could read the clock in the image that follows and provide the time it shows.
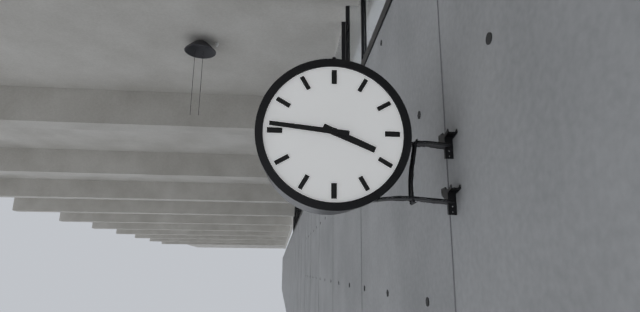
3:46
